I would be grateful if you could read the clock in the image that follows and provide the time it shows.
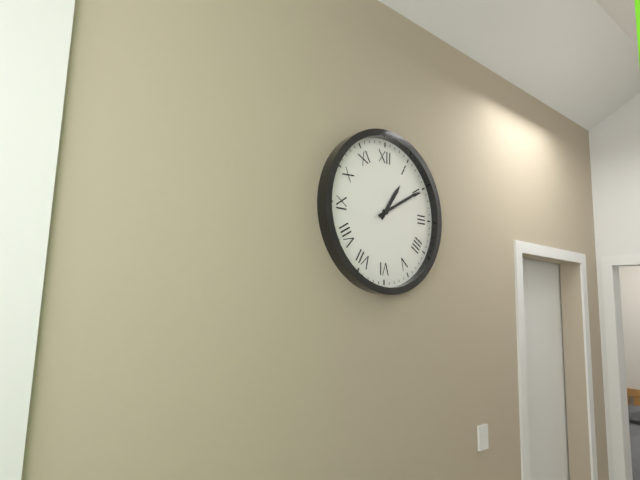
1:10
